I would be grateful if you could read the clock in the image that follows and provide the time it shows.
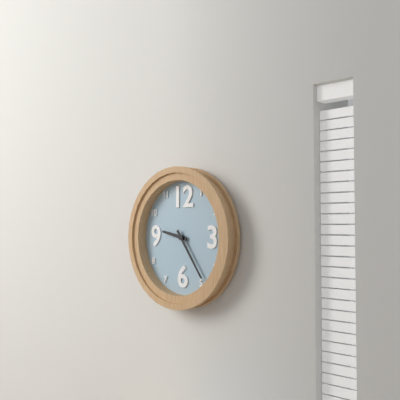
9:24
